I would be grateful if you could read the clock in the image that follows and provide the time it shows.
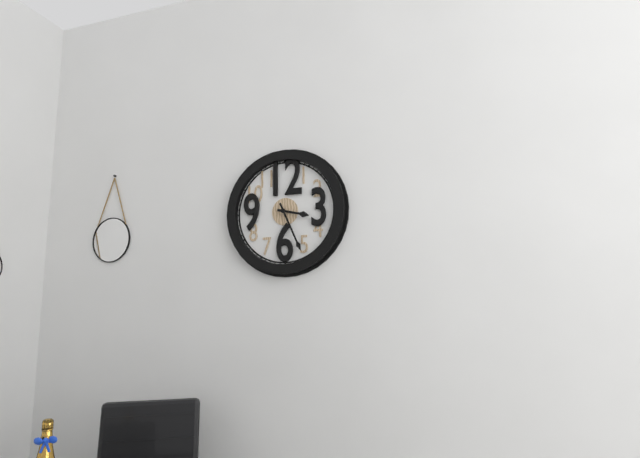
3:26
